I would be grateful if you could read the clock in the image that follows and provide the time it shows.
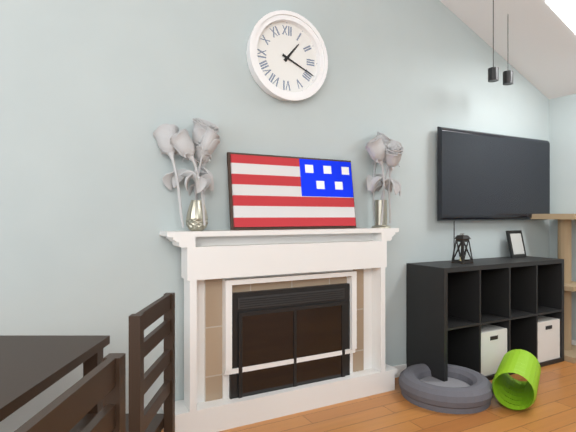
1:19
